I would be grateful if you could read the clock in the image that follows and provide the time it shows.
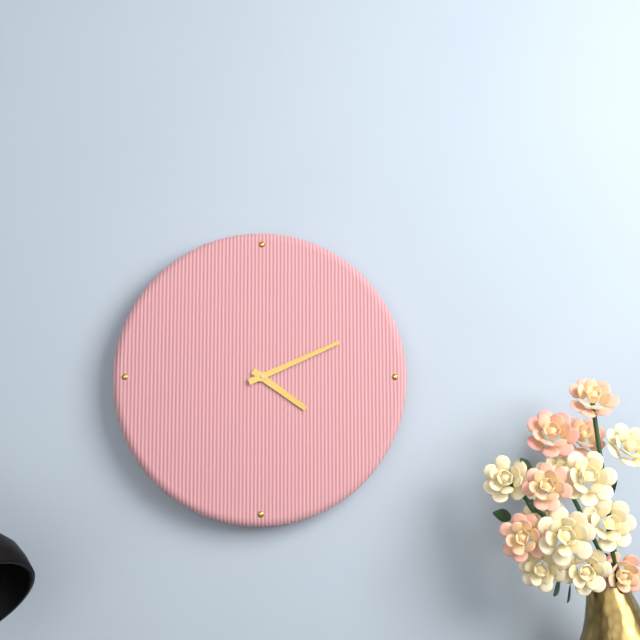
4:11
